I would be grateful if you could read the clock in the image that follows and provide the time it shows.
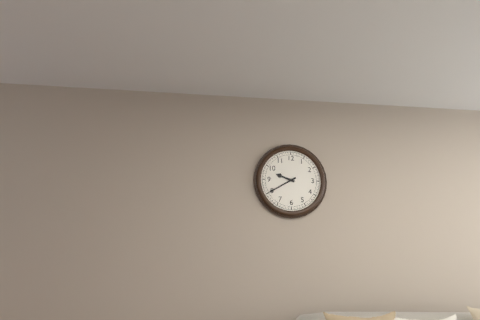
9:40
